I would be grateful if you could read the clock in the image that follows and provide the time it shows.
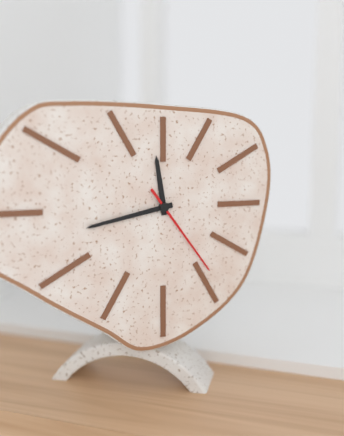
11:43:24
